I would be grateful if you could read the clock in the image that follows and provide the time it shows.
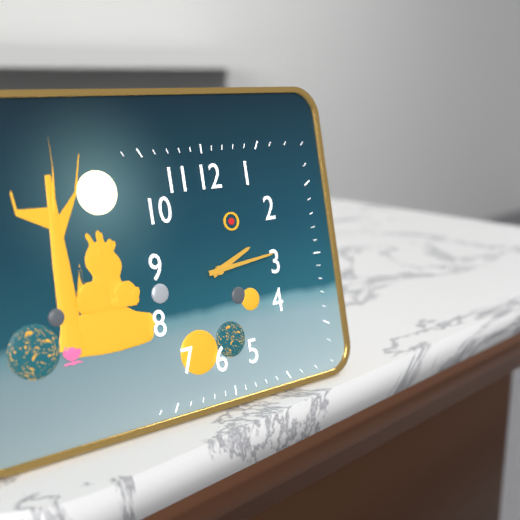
2:14
